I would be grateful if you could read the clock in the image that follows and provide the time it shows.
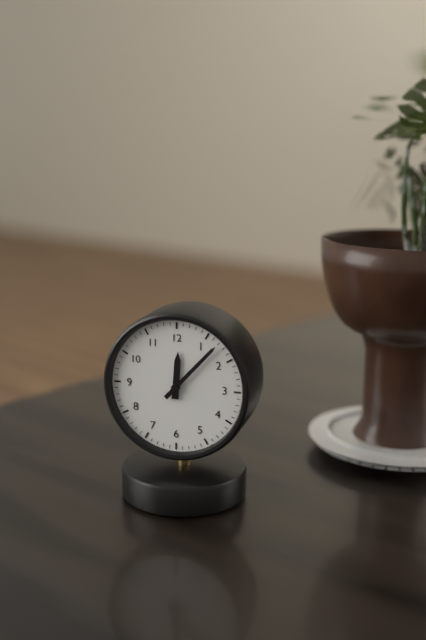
12:07
